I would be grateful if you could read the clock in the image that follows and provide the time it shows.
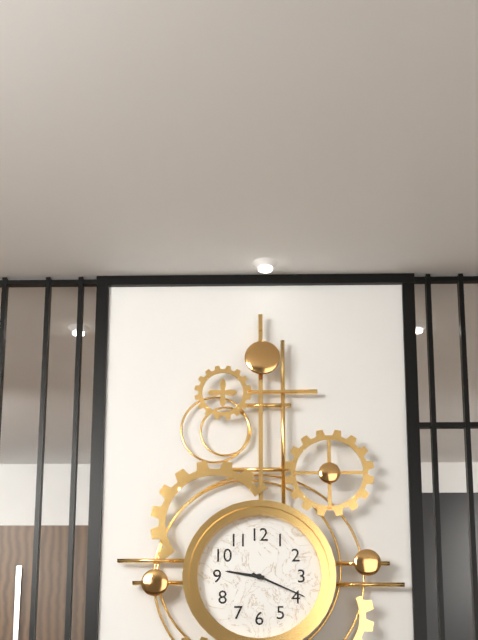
9:19
